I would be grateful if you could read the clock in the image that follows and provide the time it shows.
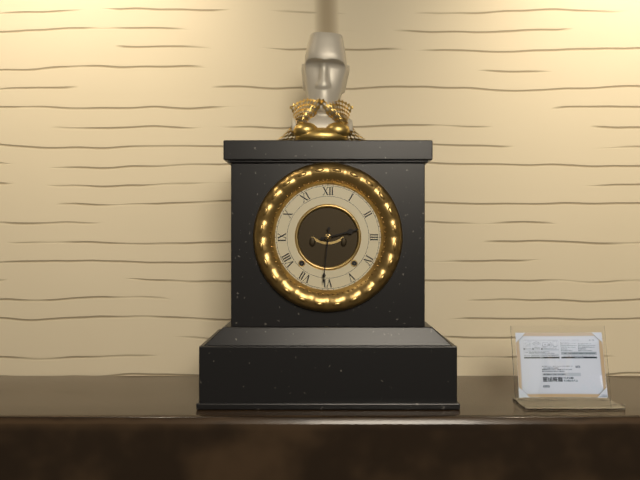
2:31
